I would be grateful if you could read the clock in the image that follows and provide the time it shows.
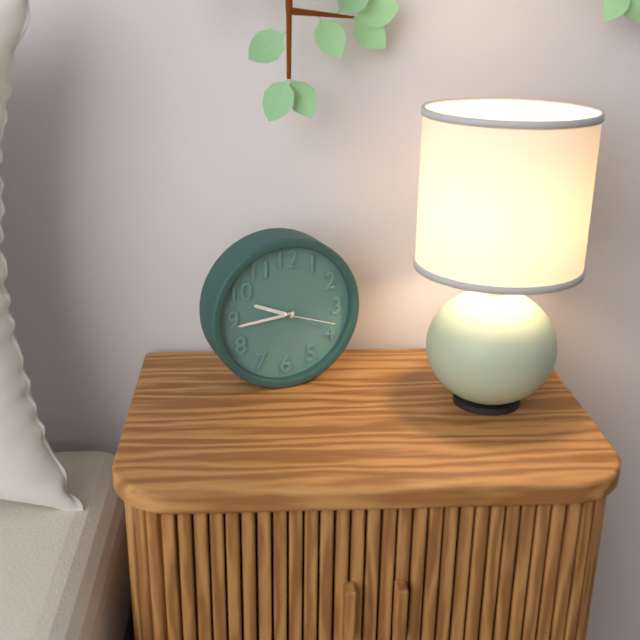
9:44:18
